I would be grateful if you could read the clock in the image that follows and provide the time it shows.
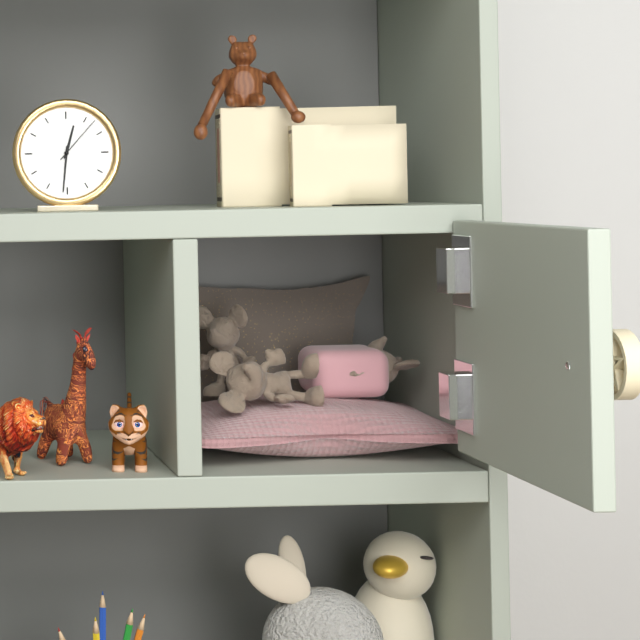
12:31:07
